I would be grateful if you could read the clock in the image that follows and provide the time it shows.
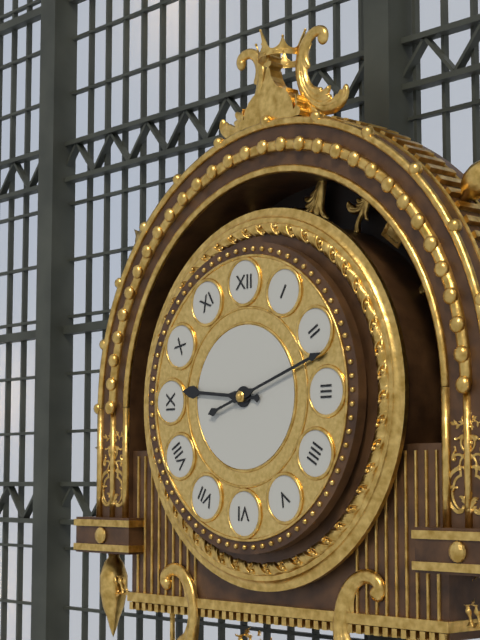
9:12
